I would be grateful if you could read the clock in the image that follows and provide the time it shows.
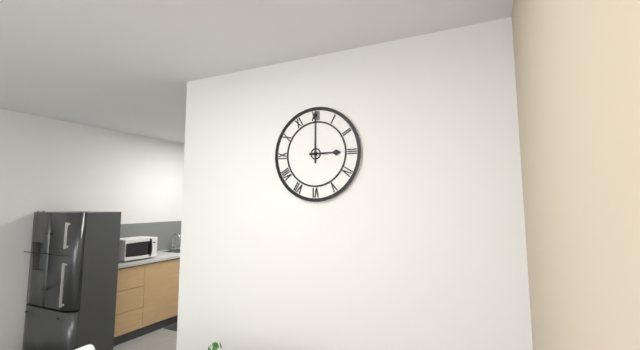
3:00
